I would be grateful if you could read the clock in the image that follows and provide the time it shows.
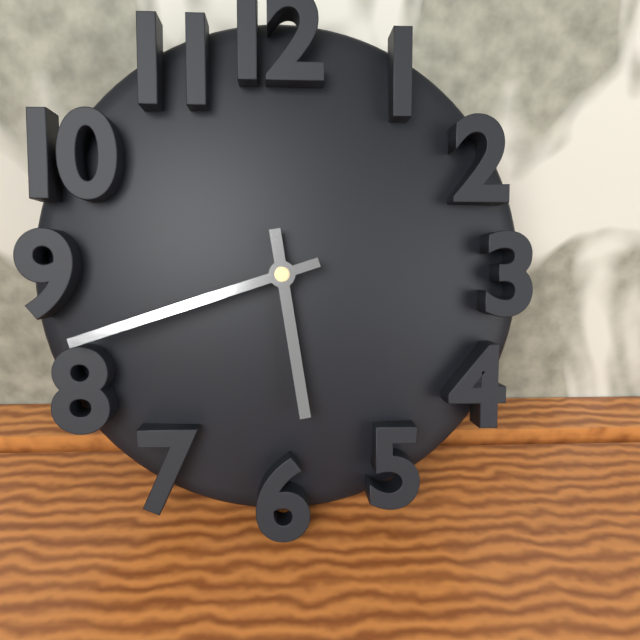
5:42
